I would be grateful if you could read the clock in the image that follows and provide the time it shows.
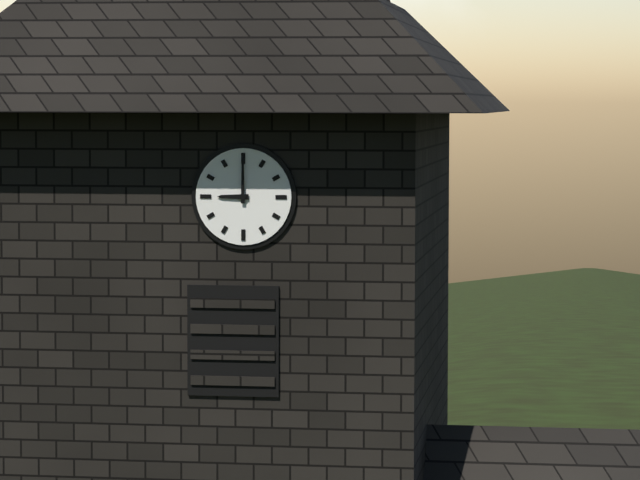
9:00
